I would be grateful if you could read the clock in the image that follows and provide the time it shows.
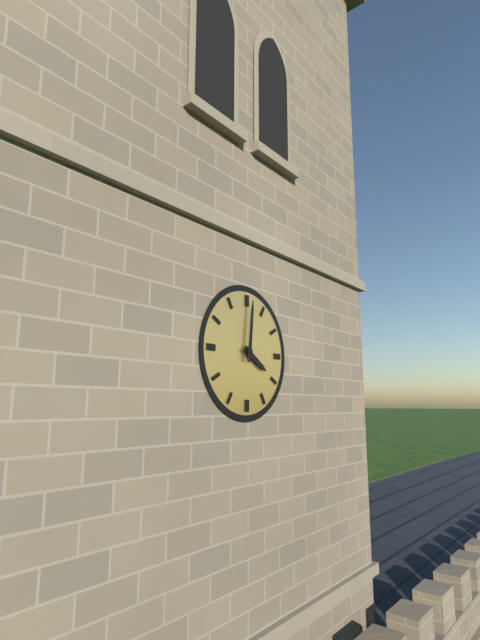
4:01
